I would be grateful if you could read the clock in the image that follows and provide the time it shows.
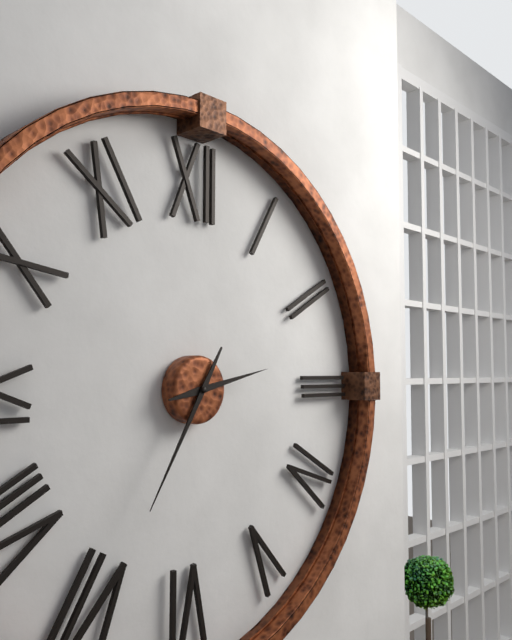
2:35
